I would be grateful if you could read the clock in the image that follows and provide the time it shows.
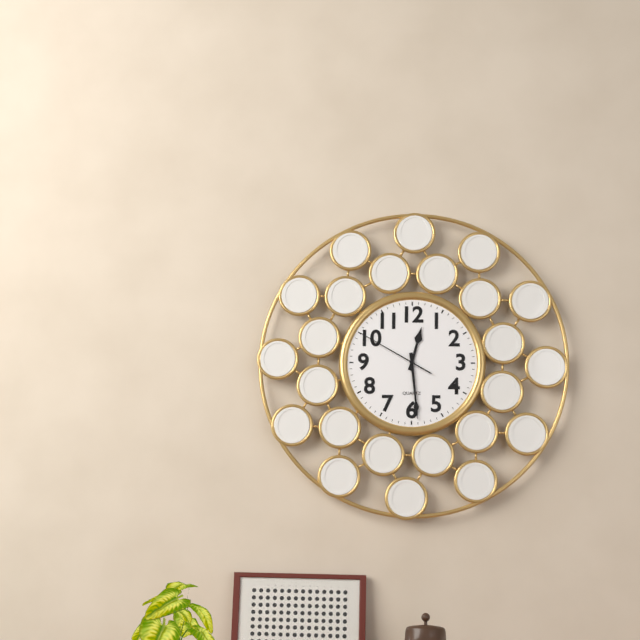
12:29:50
